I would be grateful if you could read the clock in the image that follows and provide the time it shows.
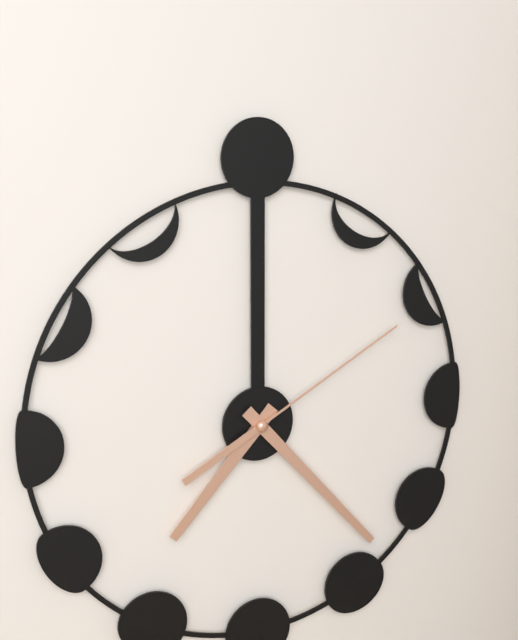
7:23:10
